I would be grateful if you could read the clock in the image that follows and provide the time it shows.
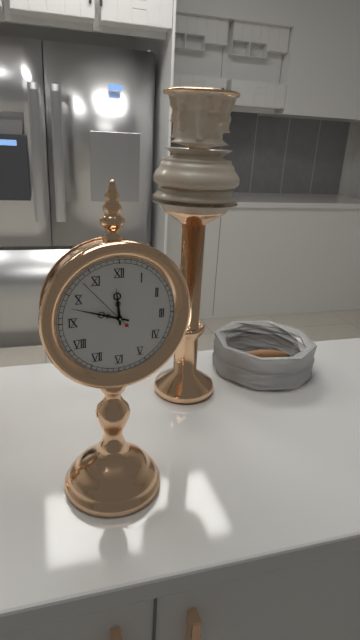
11:48:53
